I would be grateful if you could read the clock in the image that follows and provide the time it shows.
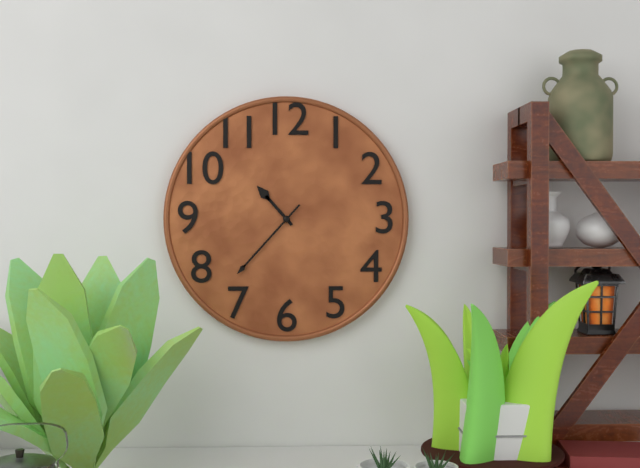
10:37
